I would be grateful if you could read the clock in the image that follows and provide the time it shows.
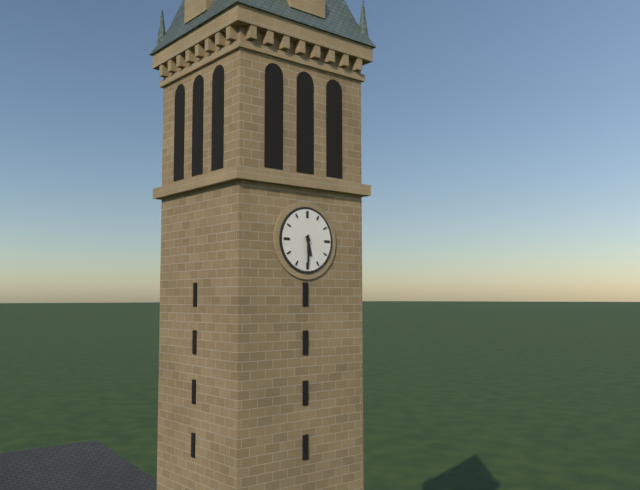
5:30
